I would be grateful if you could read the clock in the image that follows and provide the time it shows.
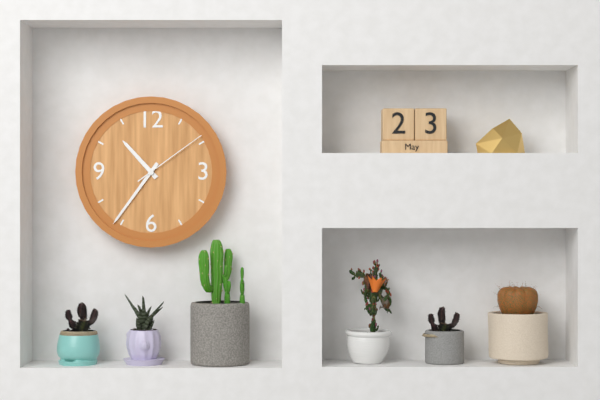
10:36:09
